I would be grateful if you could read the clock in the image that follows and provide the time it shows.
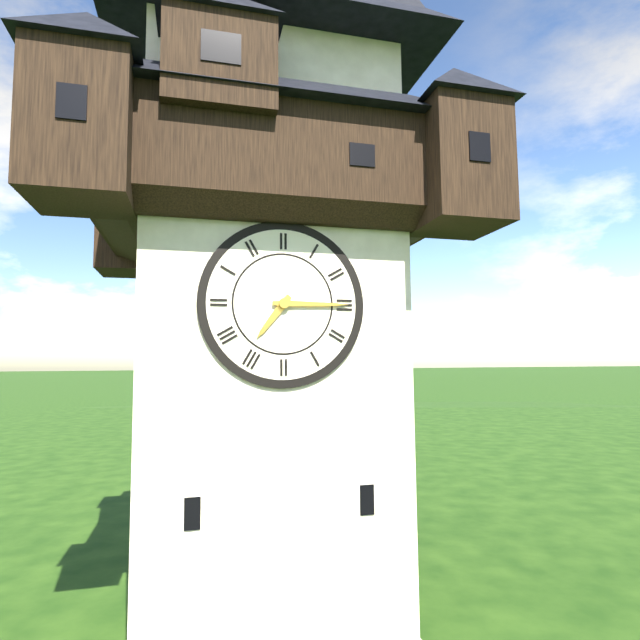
7:15
